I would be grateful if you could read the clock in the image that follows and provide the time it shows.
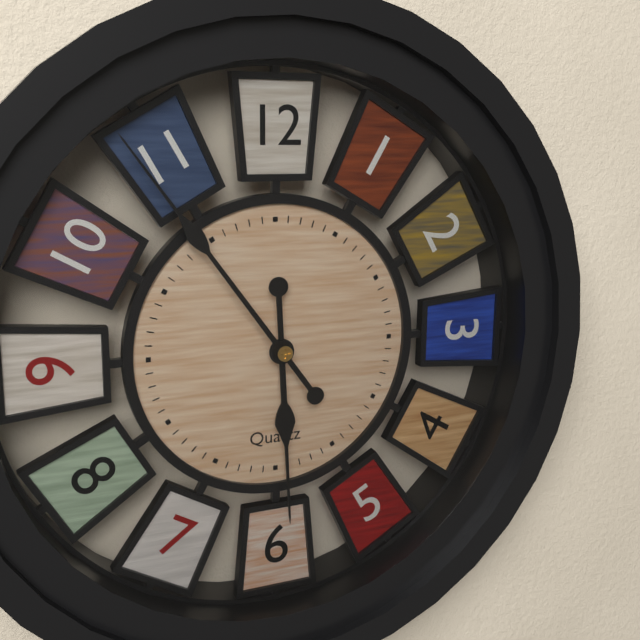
5:54
